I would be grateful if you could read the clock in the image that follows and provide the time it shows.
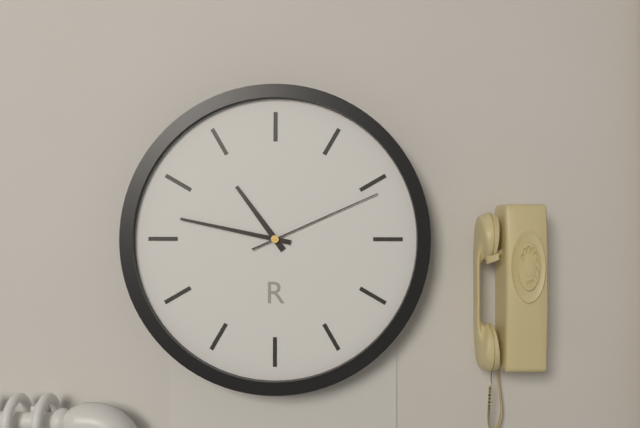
10:47:11
